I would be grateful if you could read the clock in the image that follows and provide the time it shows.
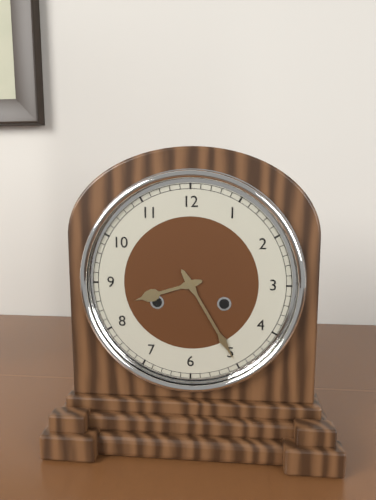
8:25
